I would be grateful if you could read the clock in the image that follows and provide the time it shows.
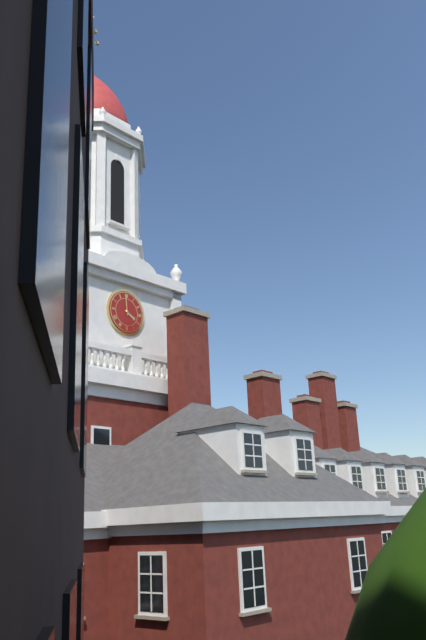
3:59
